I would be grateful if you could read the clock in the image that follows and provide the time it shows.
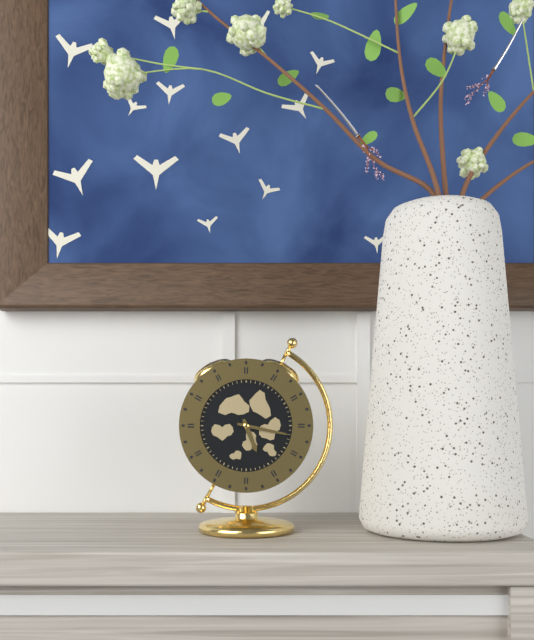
5:17
